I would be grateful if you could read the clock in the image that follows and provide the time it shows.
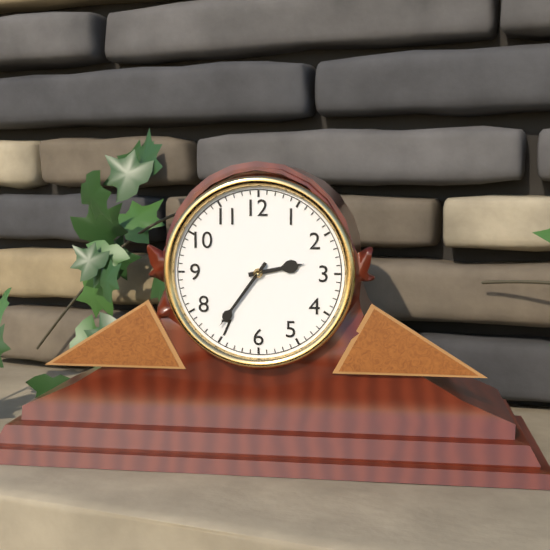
2:36
